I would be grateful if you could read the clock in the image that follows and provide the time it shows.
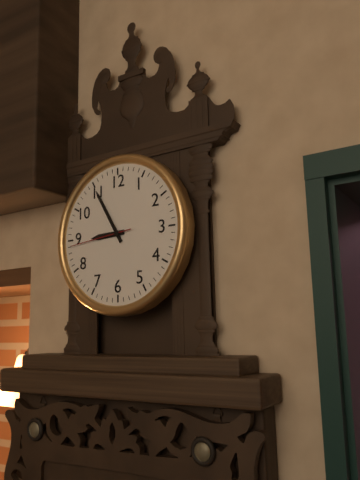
8:55:44
